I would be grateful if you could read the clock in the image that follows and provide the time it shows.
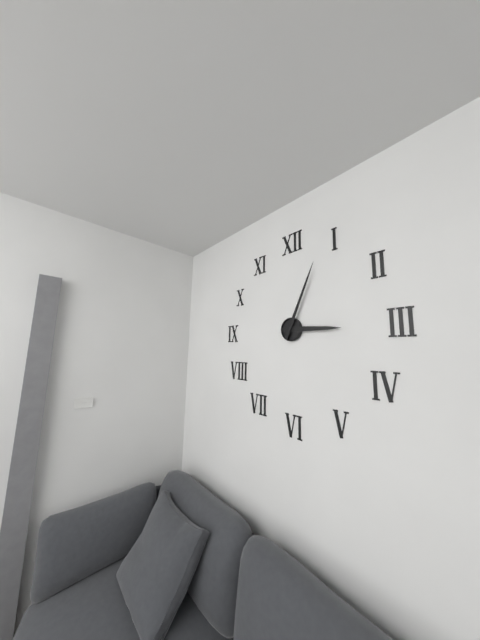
3:04
